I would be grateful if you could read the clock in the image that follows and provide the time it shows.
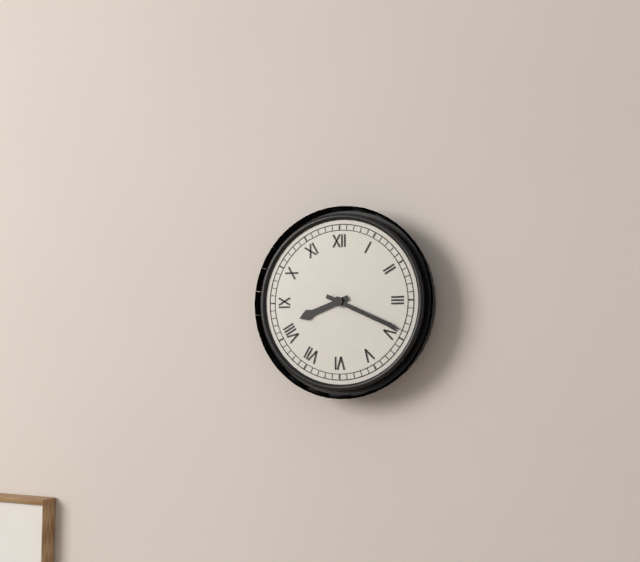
8:19
